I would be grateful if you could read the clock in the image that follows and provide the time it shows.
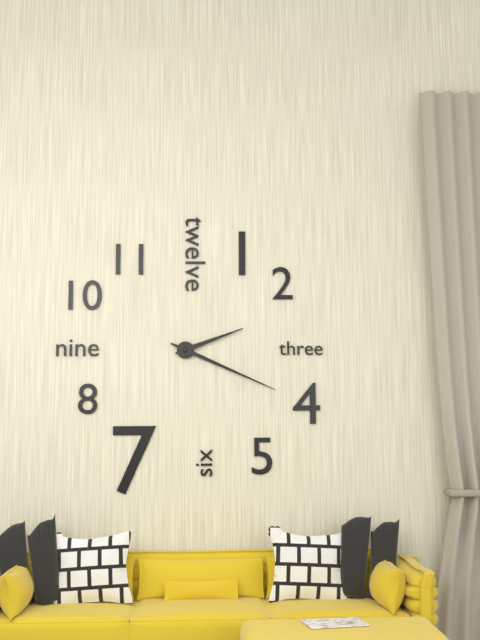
2:19
